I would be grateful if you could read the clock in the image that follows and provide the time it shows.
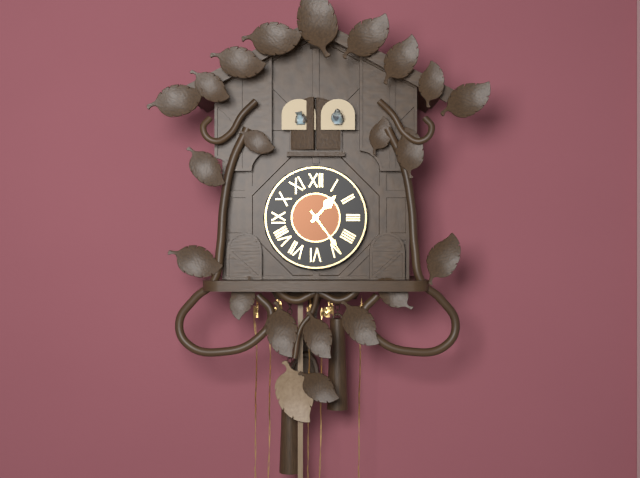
1:24
